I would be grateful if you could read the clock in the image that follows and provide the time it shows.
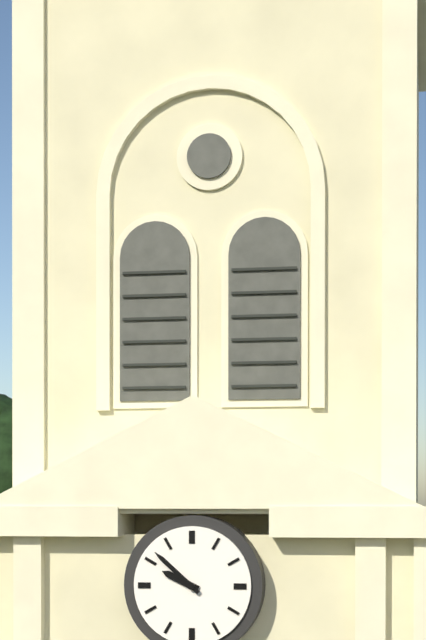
9:52
